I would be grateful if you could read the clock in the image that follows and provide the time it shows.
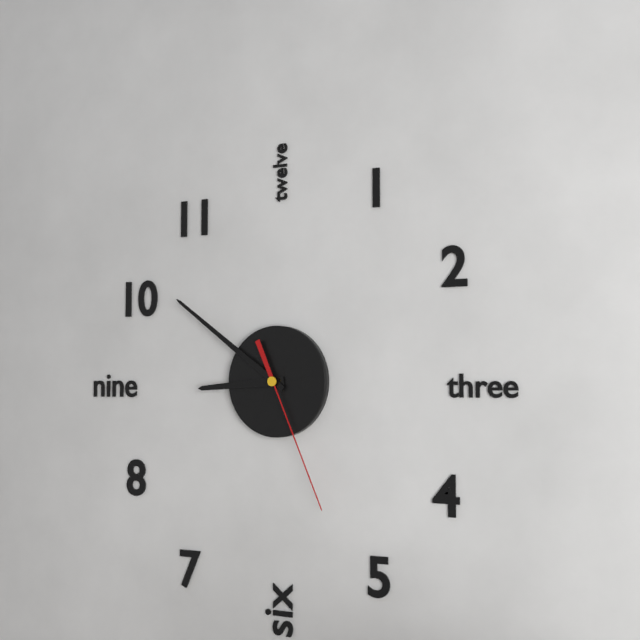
8:51:26
